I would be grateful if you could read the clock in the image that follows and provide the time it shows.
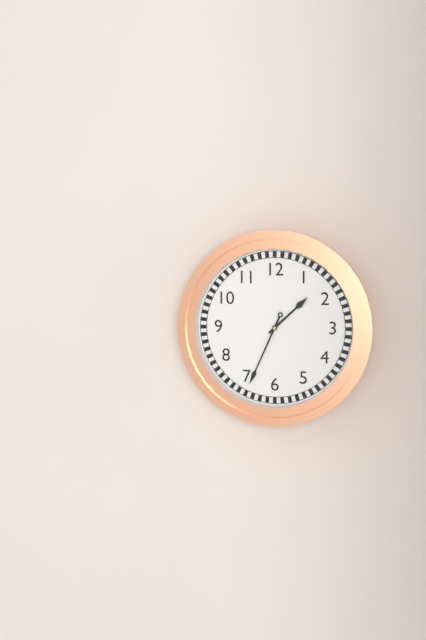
1:34
